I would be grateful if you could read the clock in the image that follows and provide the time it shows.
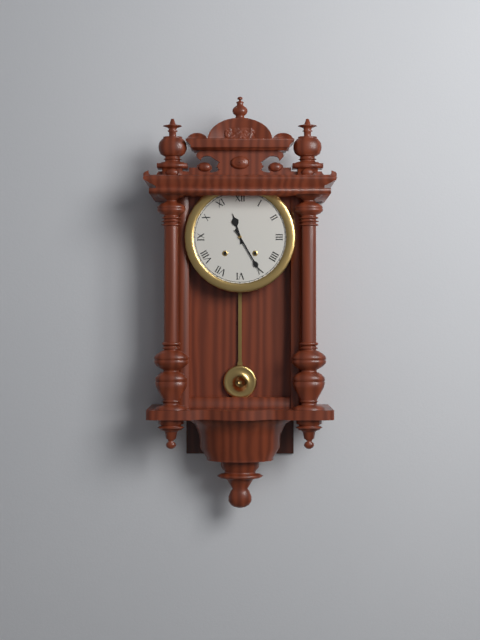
11:25
